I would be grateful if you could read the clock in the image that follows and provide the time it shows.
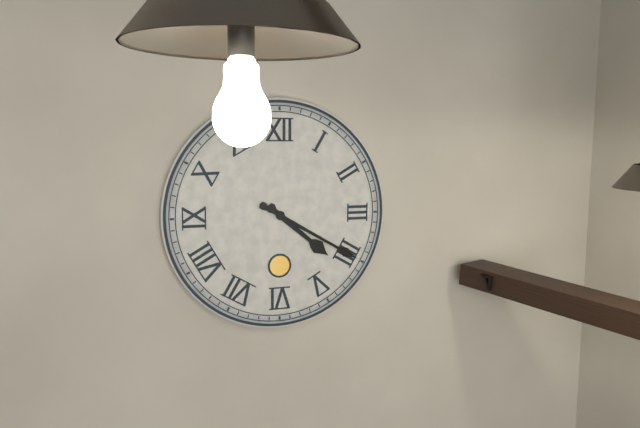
4:20
